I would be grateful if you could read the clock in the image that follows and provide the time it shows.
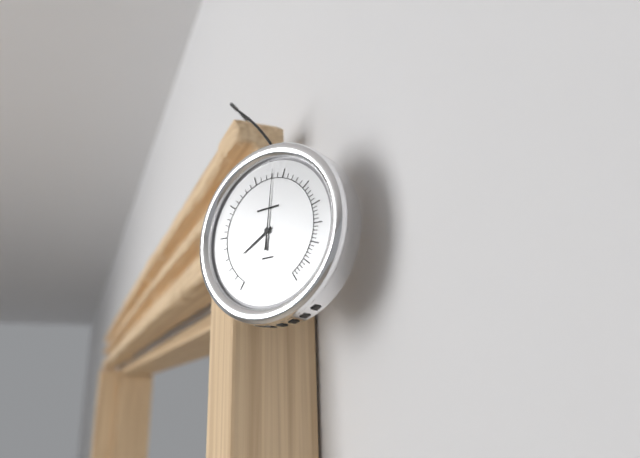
8:01
